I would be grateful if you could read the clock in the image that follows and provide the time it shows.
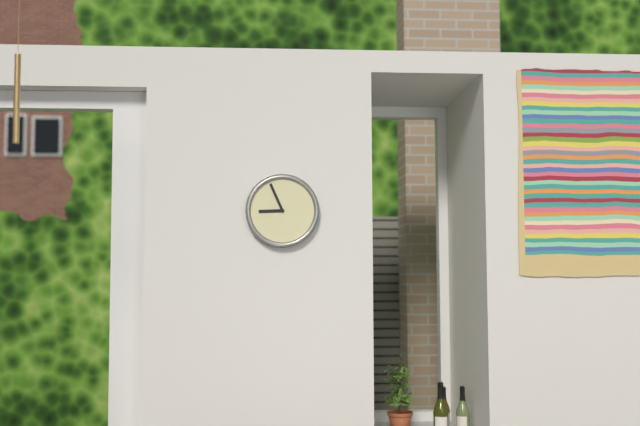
8:56
